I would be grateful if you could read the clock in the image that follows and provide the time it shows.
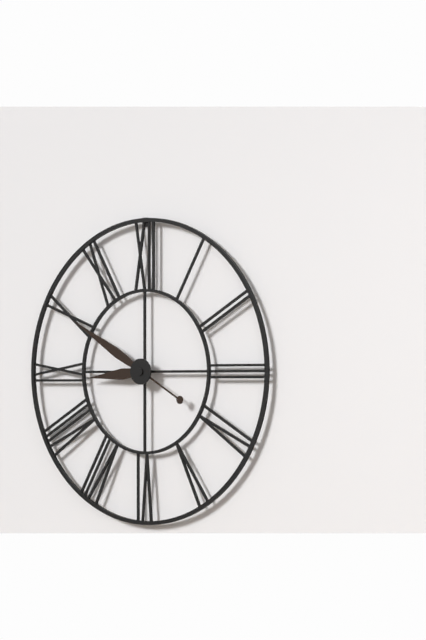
8:50
